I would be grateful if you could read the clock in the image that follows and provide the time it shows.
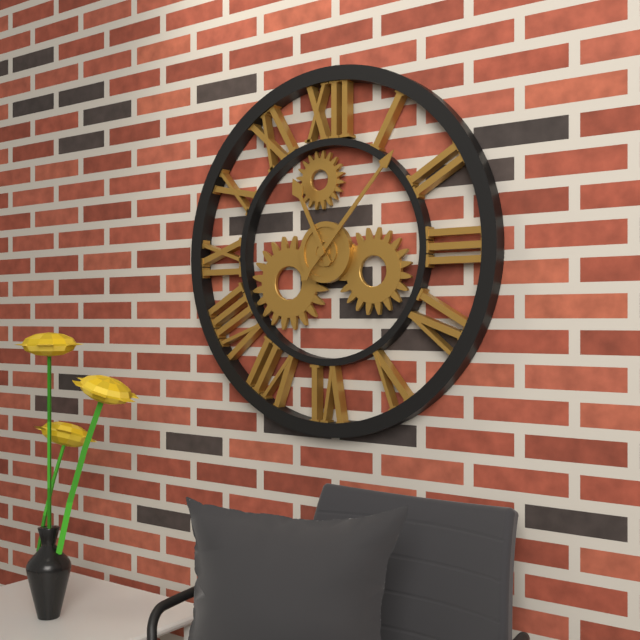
11:07
